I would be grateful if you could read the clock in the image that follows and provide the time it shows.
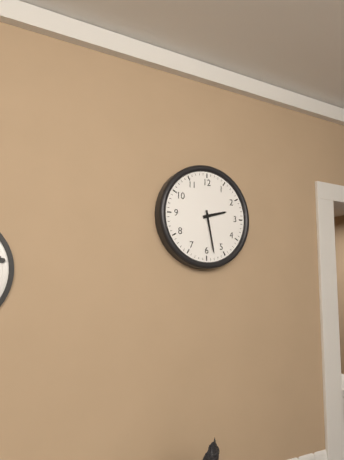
2:28
